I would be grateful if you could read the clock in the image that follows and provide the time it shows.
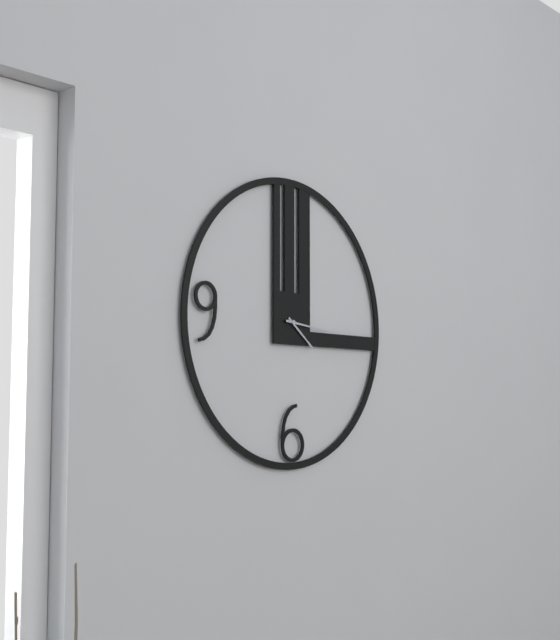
4:16
